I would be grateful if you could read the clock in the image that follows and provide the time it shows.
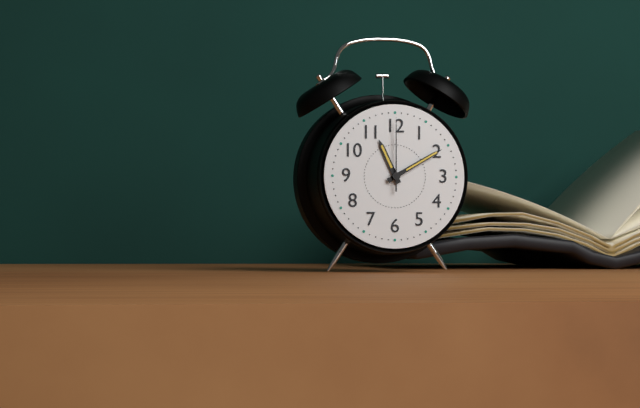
11:10:00
